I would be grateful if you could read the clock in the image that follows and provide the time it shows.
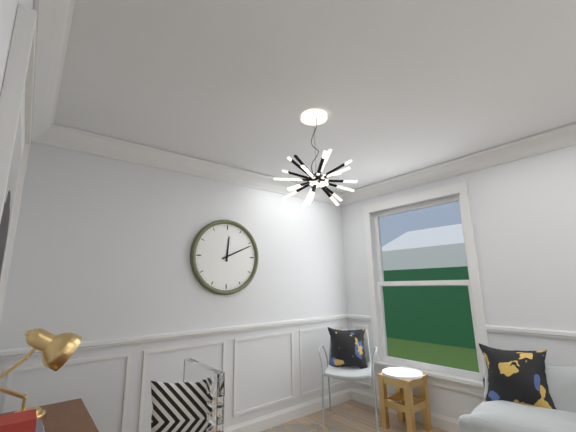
12:11
